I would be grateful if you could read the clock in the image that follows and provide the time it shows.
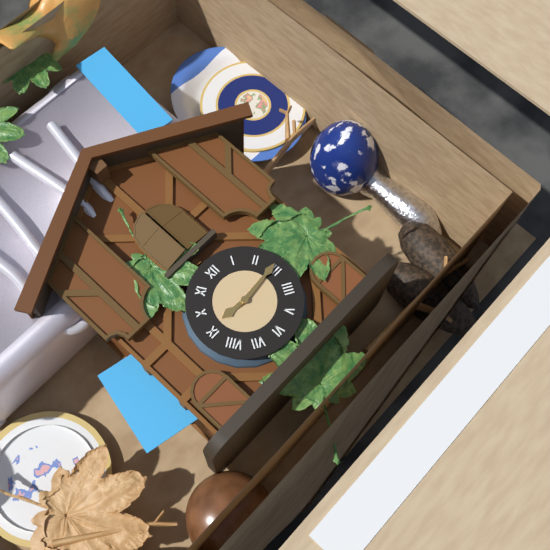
9:14
